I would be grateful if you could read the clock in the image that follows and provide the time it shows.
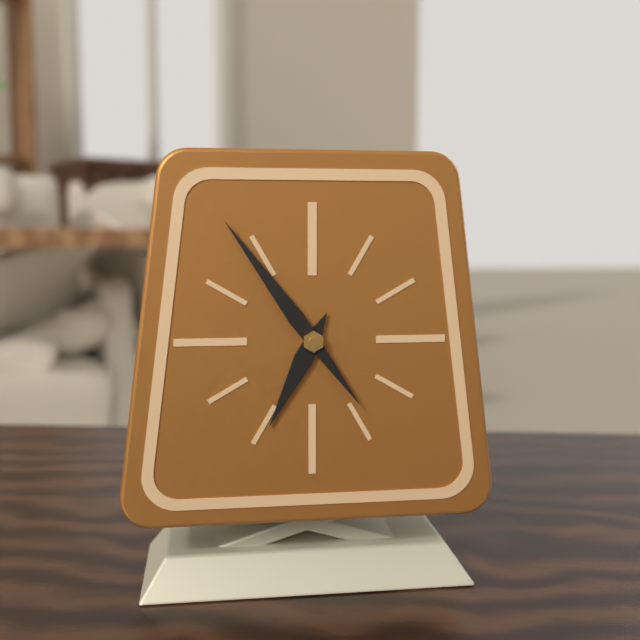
6:54
